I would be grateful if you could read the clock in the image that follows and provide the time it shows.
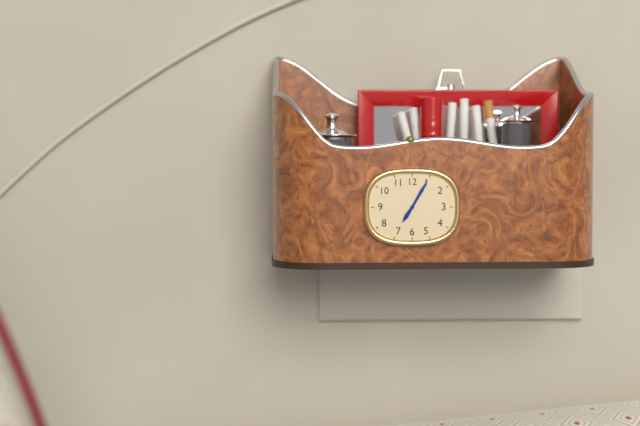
7:05
